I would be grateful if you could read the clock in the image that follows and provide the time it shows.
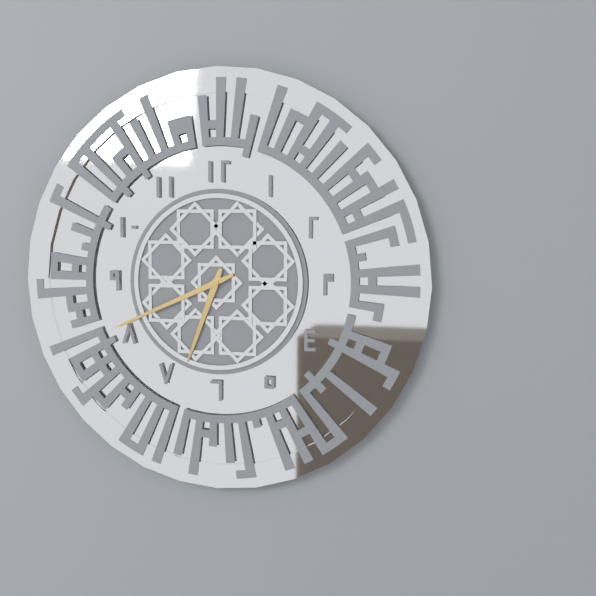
6:41
